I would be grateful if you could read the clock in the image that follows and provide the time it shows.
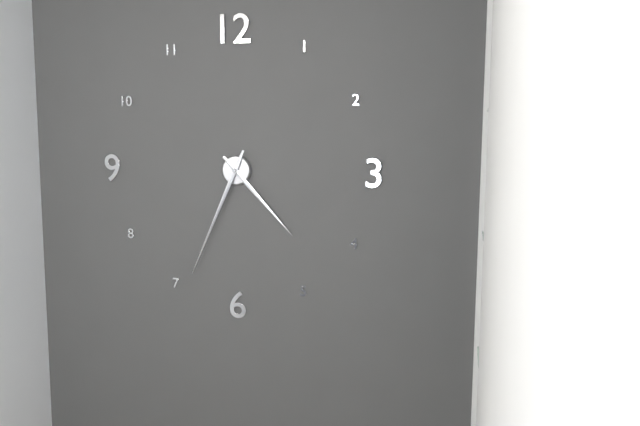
4:34
